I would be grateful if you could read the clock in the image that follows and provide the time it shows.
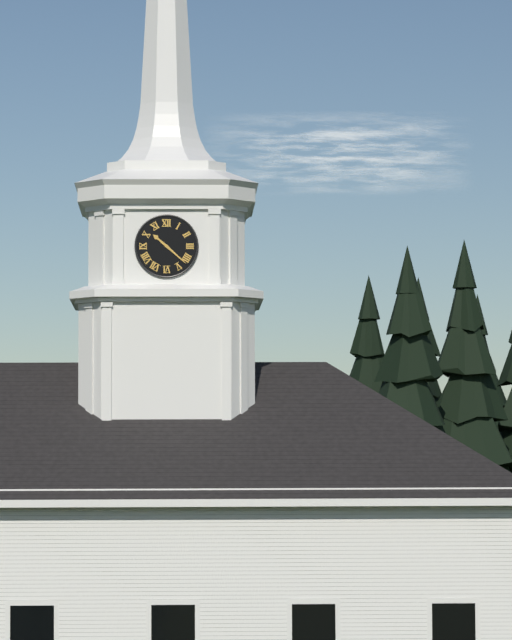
10:22
